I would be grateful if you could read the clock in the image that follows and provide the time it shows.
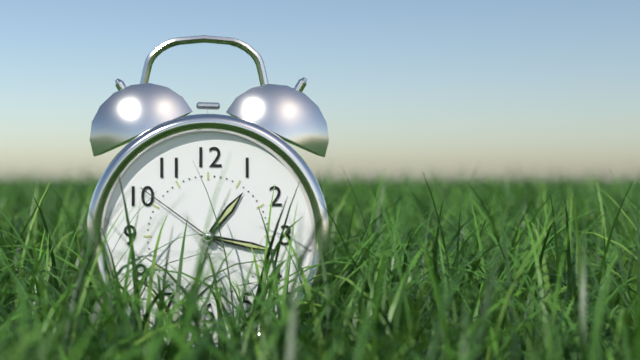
1:17:51
